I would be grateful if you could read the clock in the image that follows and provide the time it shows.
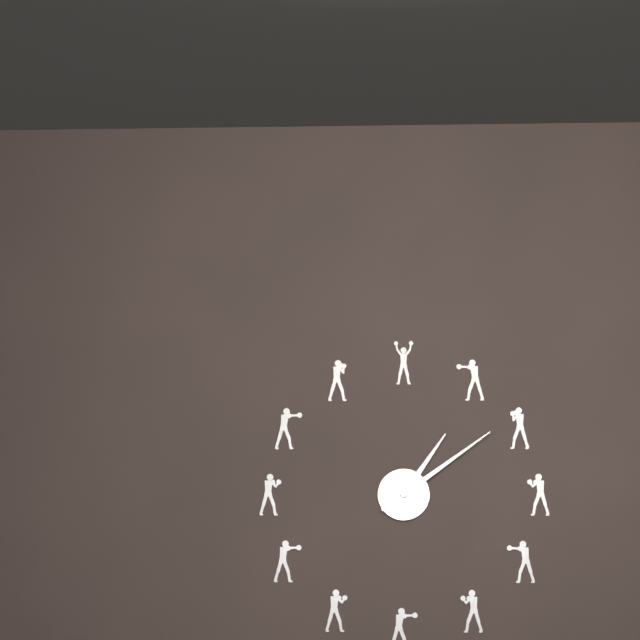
1:09
